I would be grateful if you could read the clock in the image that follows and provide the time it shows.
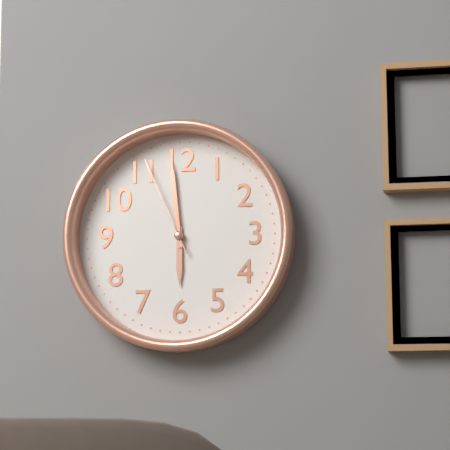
5:59:56
